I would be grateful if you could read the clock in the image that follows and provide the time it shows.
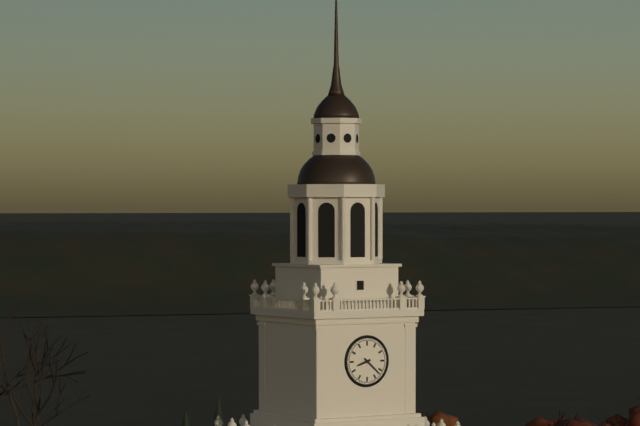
8:22
